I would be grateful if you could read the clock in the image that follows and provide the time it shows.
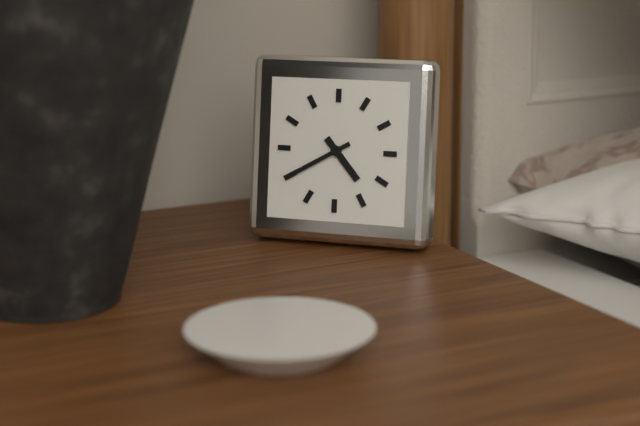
4:40
